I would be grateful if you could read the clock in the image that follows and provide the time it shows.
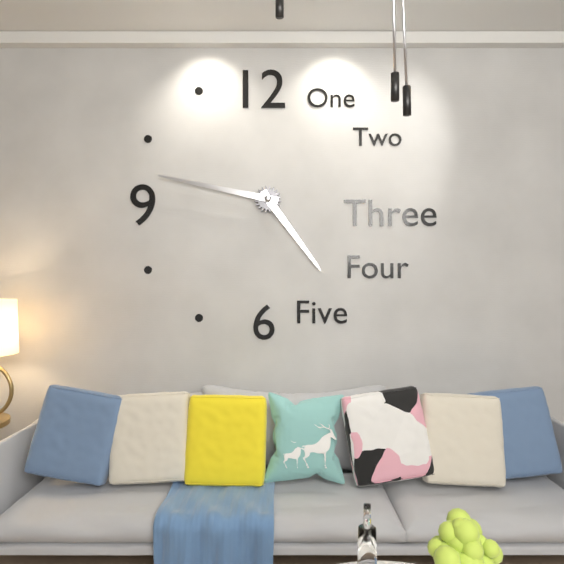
4:47
